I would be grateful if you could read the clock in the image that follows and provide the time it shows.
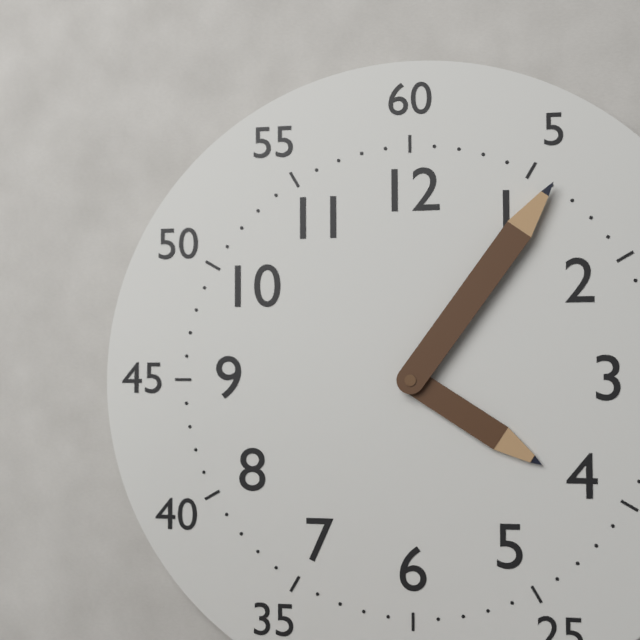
4:06
